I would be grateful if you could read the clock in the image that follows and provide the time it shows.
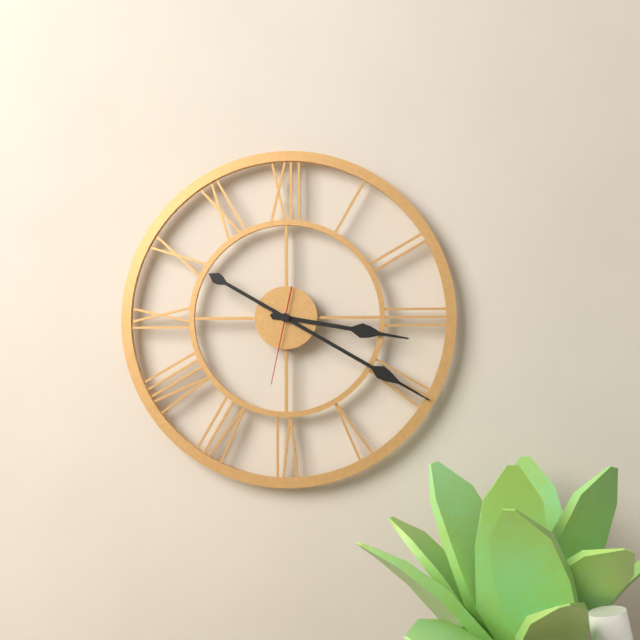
3:20:32
